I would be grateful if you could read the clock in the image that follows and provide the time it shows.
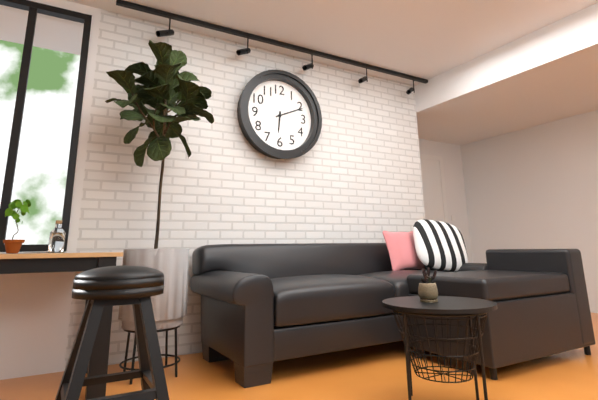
6:11
